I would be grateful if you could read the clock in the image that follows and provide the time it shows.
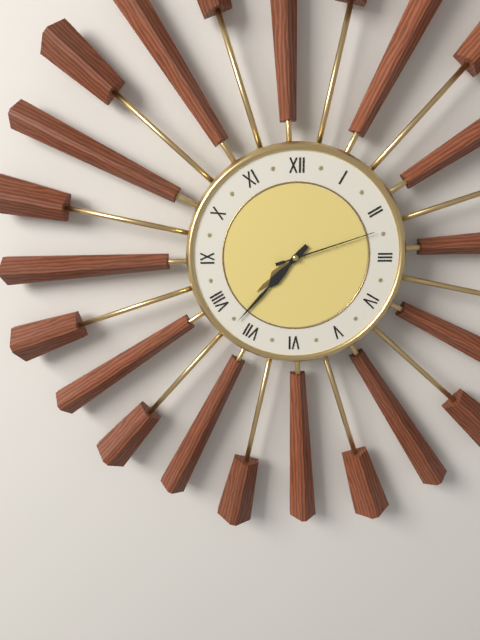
7:37:12
